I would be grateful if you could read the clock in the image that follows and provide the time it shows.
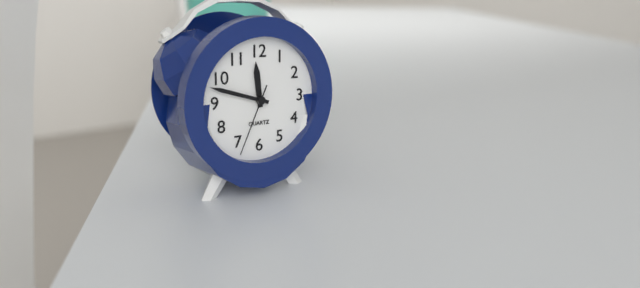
11:48:34
